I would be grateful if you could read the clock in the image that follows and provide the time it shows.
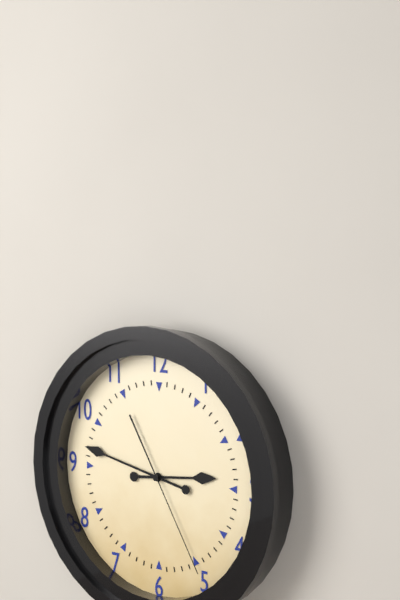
2:47:25
